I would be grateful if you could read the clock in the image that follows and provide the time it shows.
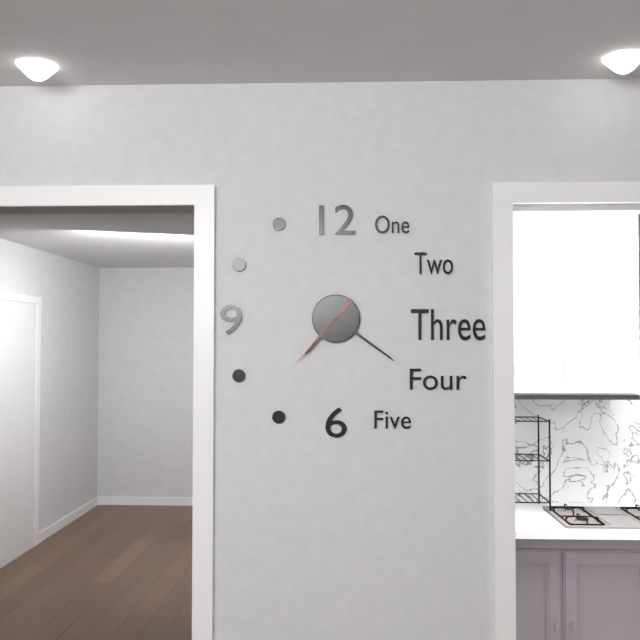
7:21:37
